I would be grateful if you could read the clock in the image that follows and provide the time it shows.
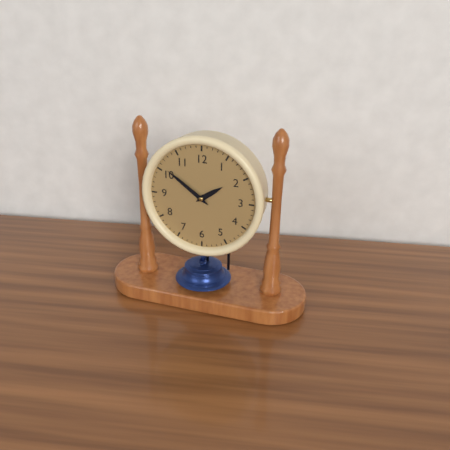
1:51
